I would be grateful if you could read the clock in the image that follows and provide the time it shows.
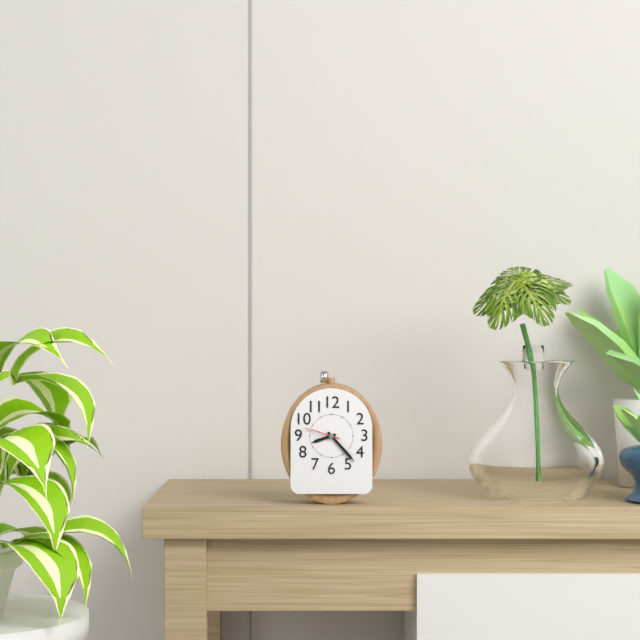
8:23
